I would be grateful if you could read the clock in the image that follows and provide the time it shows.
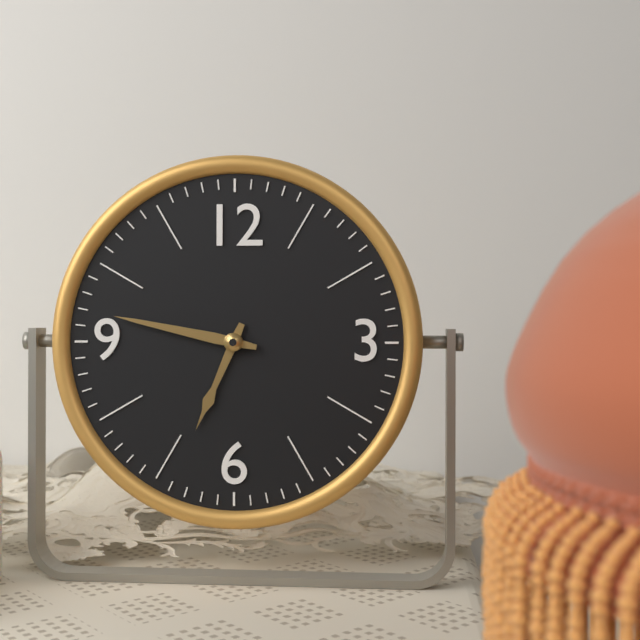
6:47
